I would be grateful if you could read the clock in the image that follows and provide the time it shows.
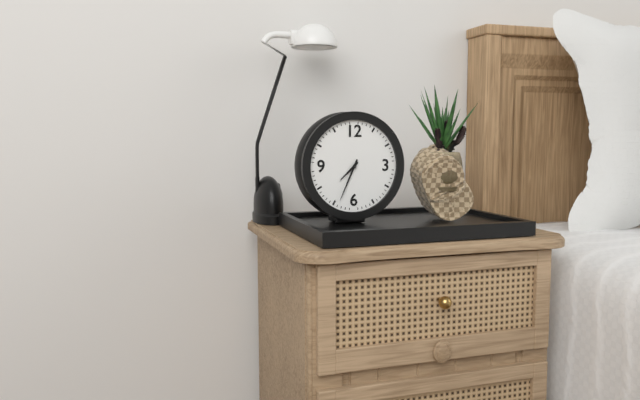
7:34
